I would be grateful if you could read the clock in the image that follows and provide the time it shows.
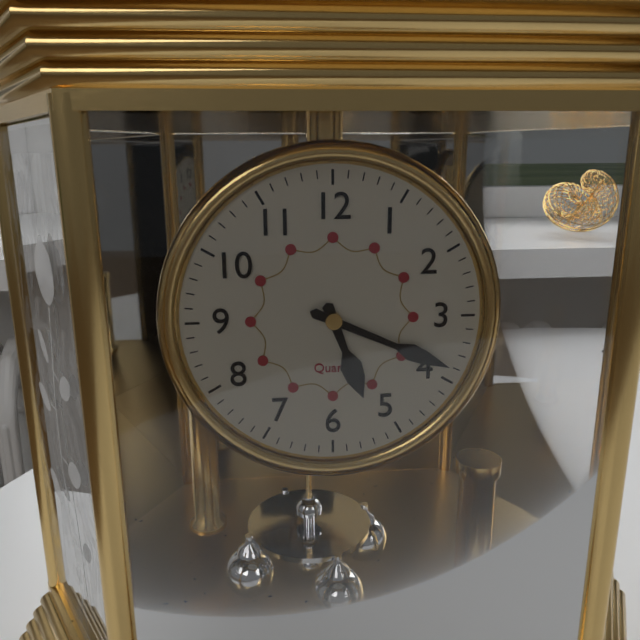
5:19
